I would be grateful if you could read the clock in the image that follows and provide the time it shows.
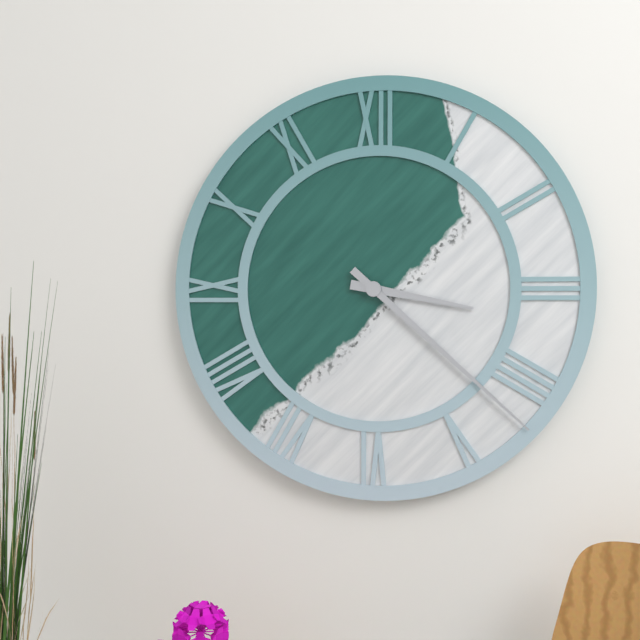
3:22
